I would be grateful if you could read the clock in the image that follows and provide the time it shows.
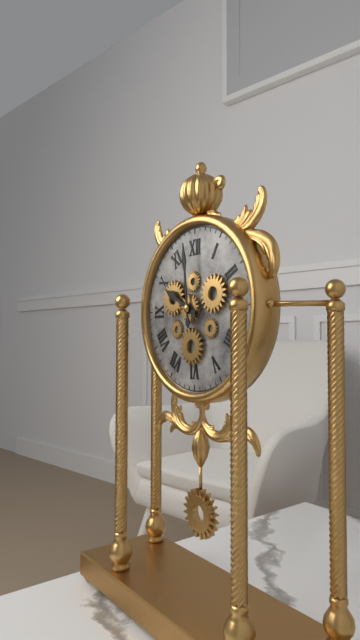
9:59
